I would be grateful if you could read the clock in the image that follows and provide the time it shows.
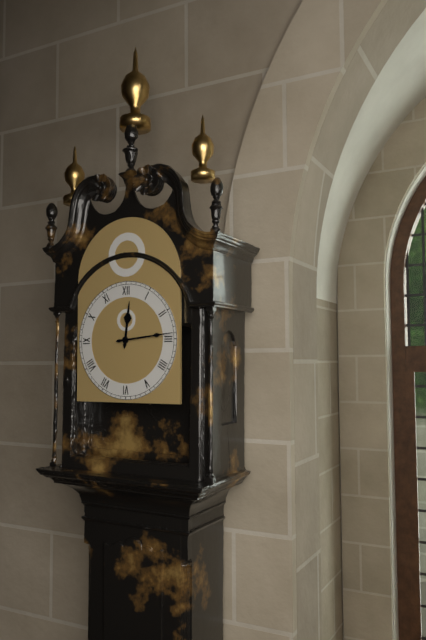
12:14
